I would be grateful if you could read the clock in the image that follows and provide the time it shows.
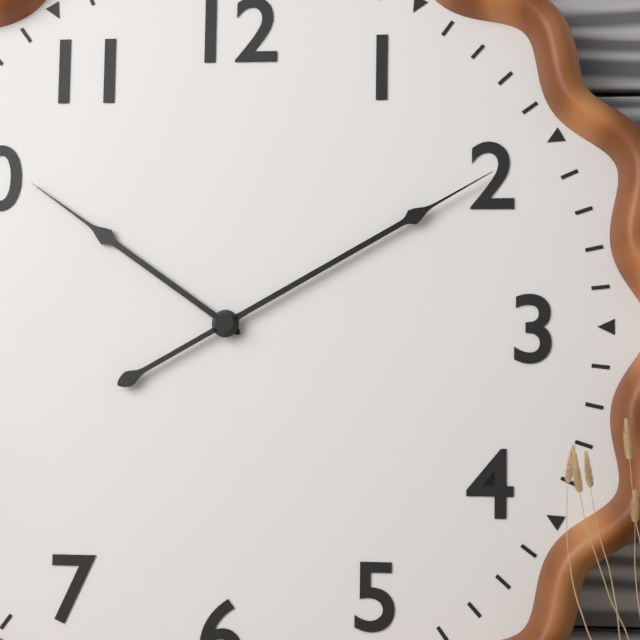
10:10
